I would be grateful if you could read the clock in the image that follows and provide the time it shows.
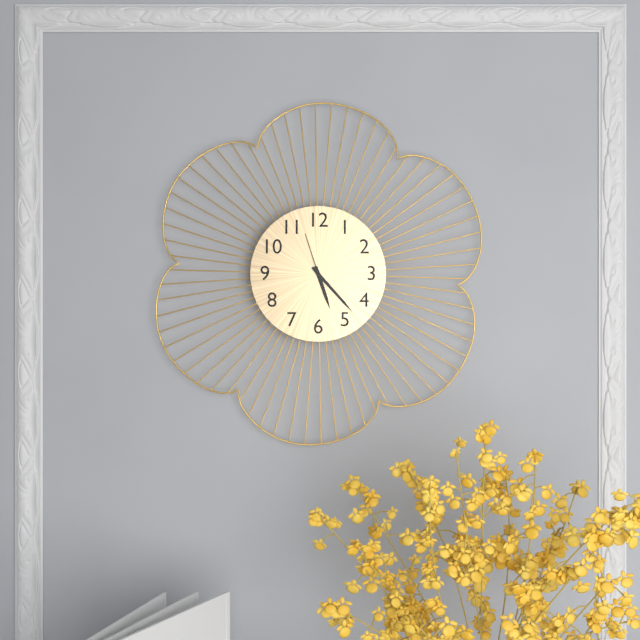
5:23:57
